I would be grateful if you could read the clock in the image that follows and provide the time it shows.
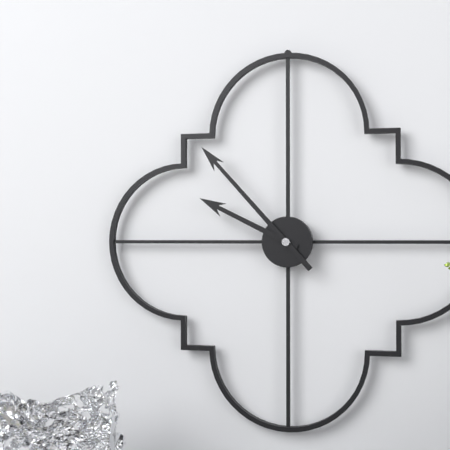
9:53
